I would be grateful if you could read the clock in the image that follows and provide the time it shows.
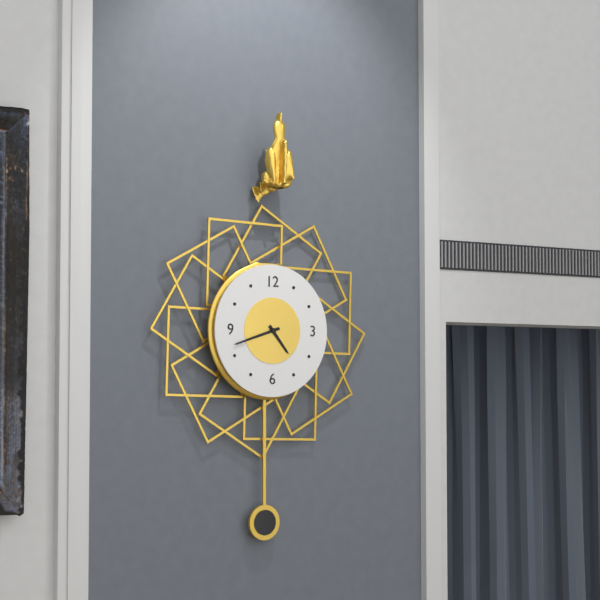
4:42
